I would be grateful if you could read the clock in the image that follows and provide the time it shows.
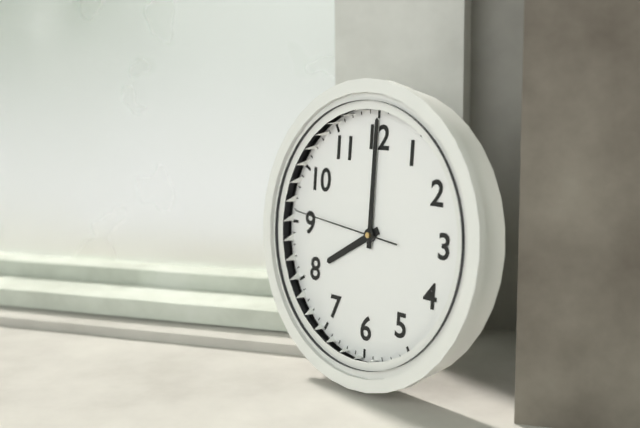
8:00:46
